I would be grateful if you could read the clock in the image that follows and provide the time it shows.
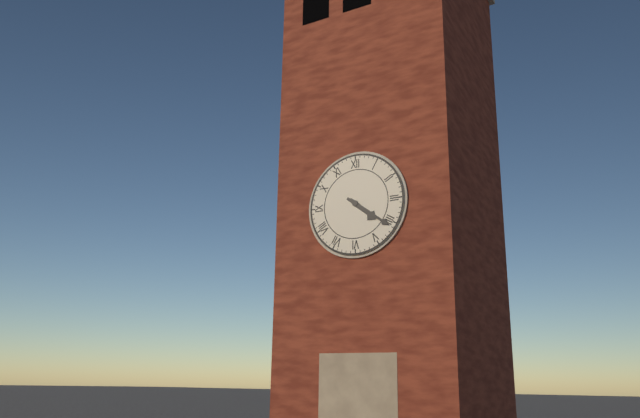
4:21
